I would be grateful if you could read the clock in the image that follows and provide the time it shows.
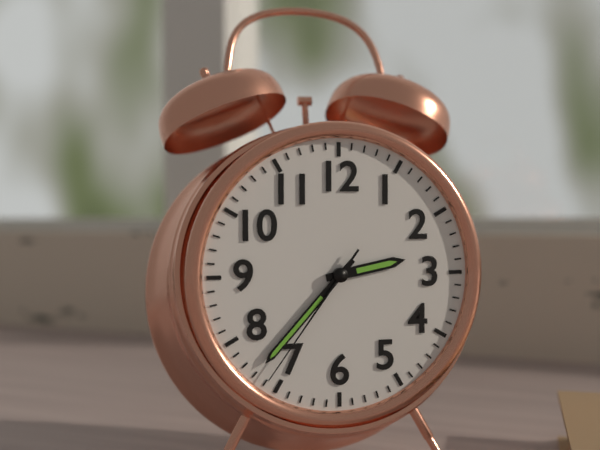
2:37:36
